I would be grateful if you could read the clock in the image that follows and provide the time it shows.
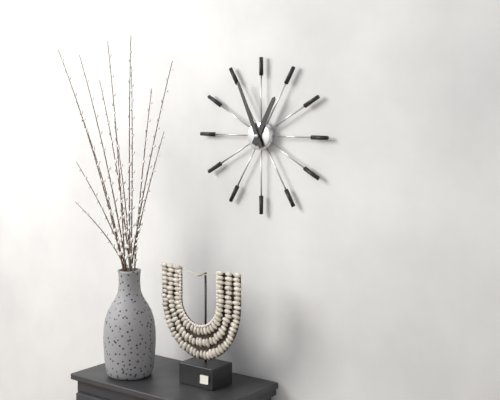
12:56
